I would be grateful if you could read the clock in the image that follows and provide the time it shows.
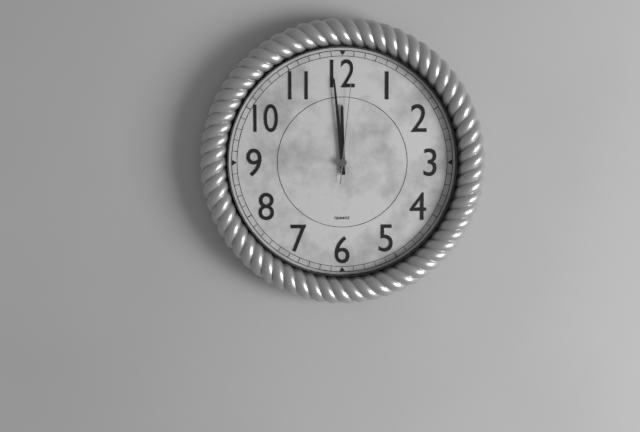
11:59:01
